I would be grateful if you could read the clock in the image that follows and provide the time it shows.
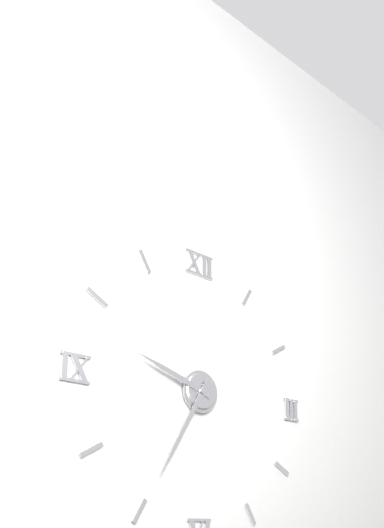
9:35
